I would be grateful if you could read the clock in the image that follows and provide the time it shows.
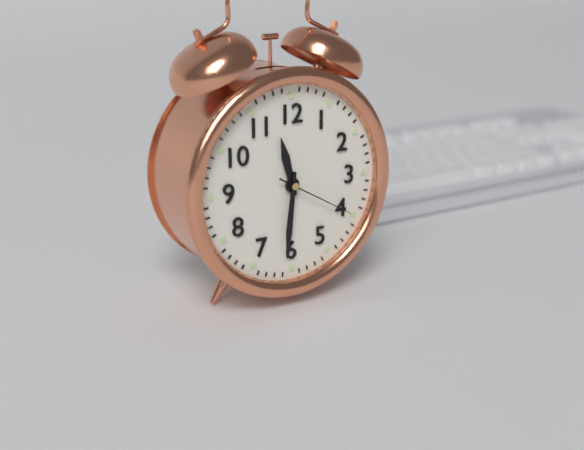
11:31:20
